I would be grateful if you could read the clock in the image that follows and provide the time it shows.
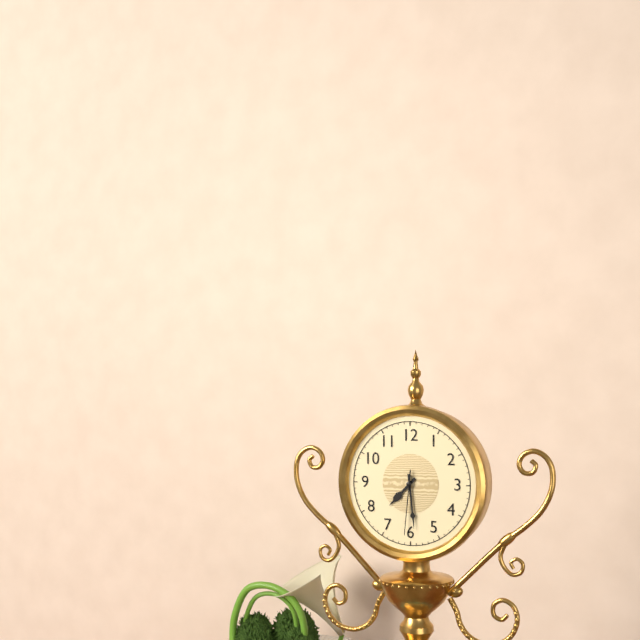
7:29:31
